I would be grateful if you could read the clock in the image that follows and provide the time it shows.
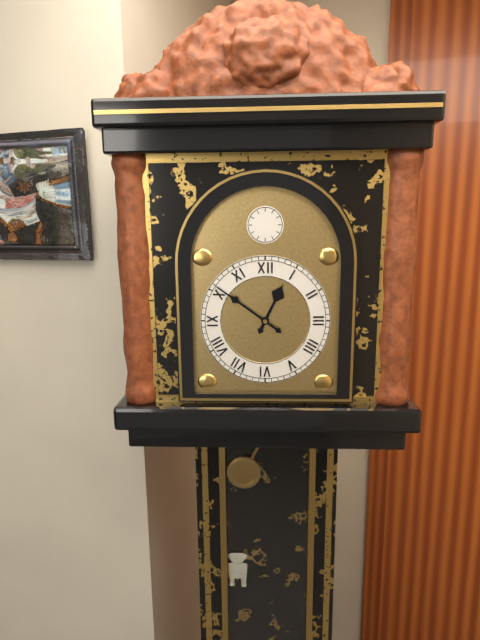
12:51
